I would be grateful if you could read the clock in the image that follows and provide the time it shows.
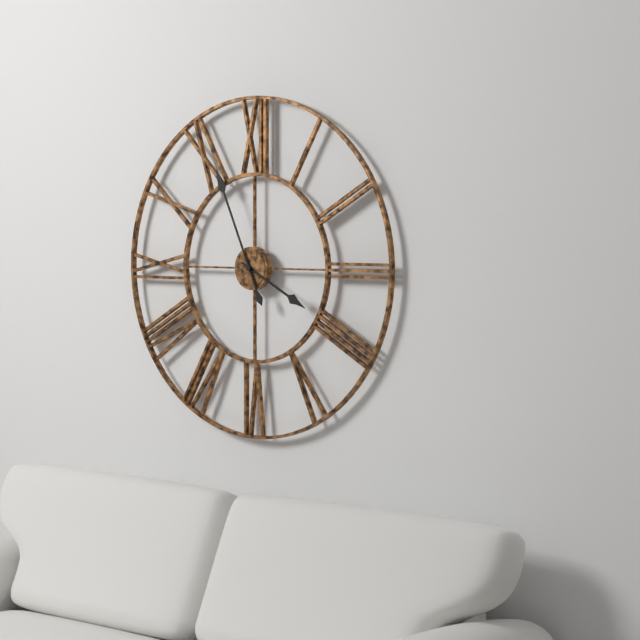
3:56
